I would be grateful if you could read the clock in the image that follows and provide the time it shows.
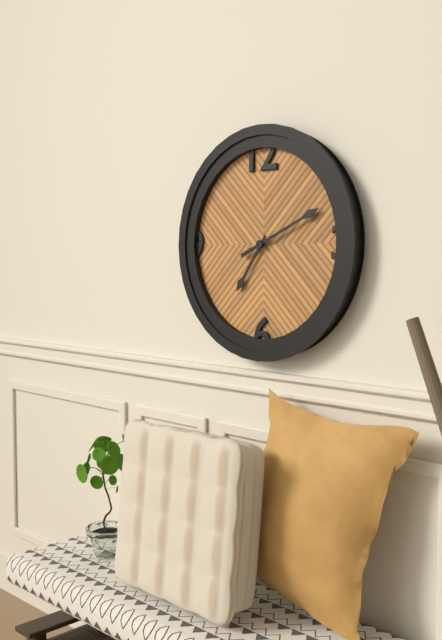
7:11
